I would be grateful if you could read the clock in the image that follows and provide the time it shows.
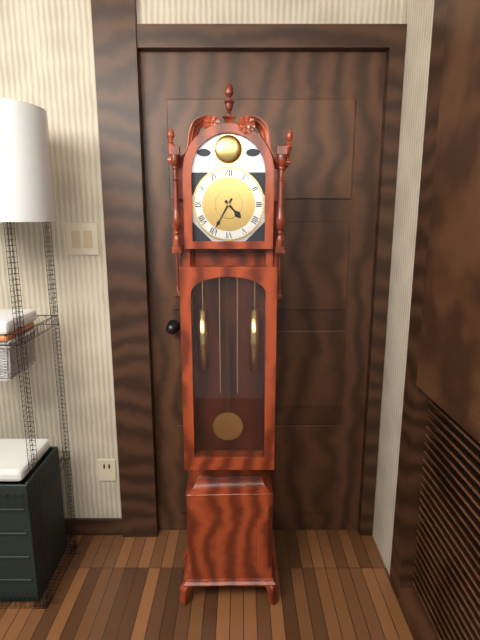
4:35
